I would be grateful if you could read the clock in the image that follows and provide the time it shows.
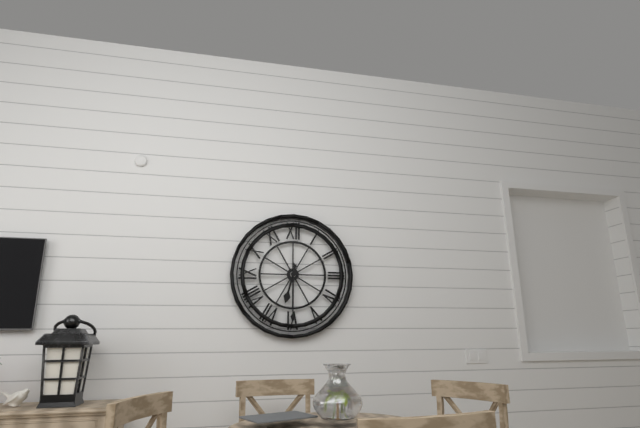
6:30
